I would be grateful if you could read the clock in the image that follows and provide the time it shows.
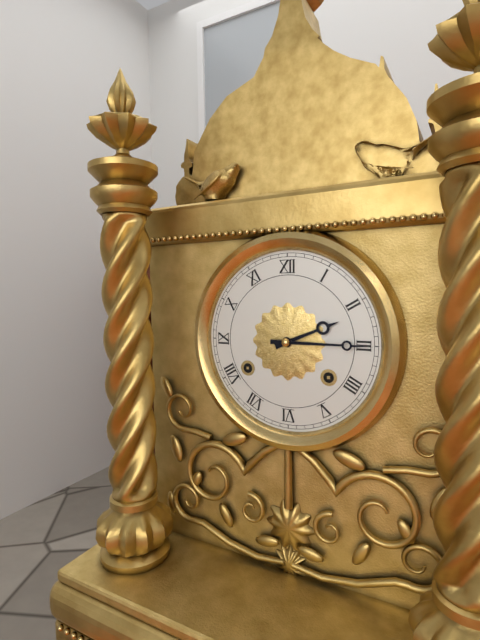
2:15
